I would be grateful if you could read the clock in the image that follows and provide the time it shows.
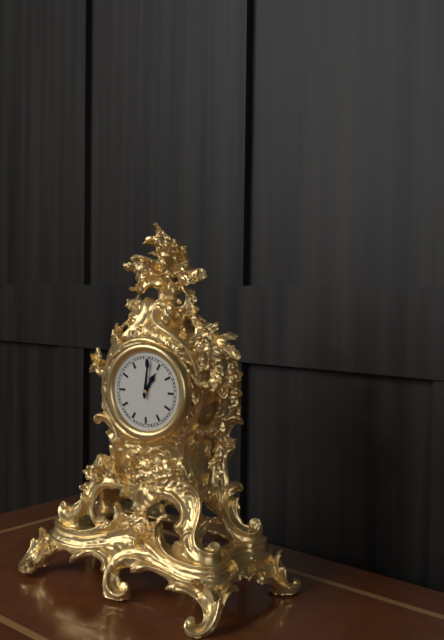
1:01
